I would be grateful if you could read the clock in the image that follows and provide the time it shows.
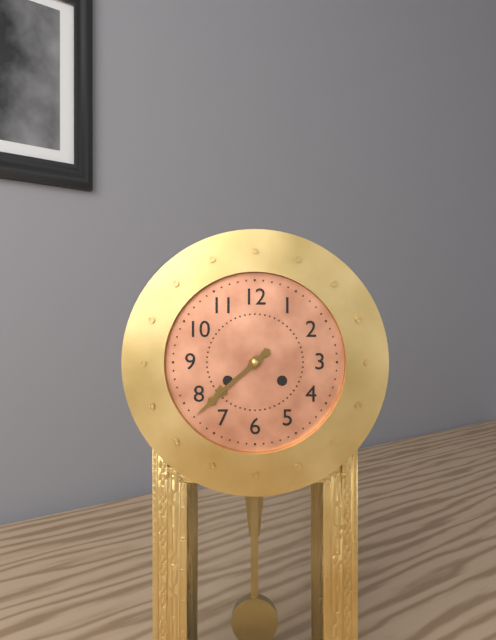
7:38
